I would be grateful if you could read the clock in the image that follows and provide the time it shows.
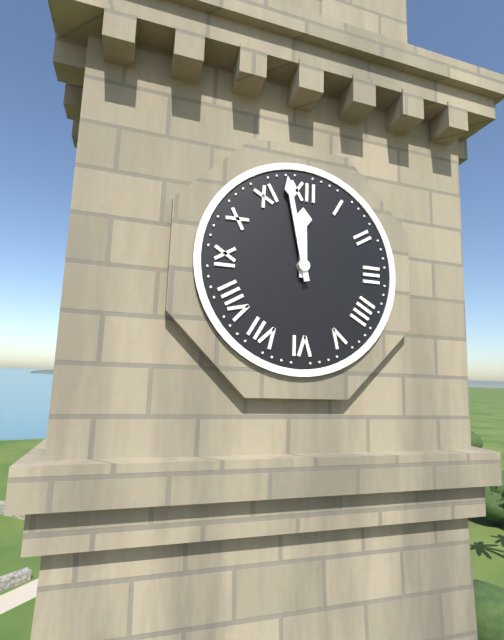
11:58
